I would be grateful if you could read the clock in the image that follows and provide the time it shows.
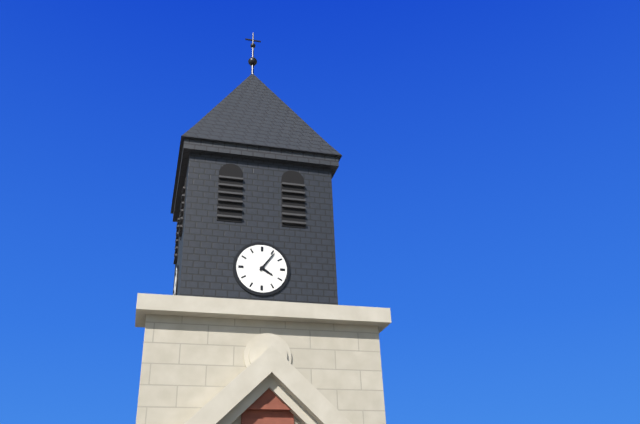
4:06
